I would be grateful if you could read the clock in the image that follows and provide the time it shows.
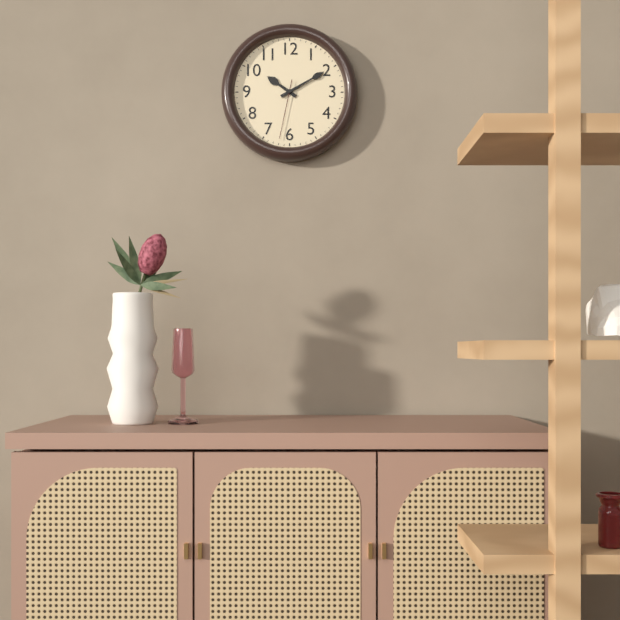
10:10:32
